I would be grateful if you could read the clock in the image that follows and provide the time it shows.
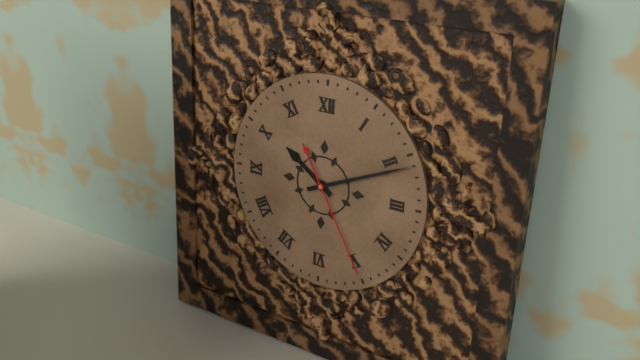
10:11:25
